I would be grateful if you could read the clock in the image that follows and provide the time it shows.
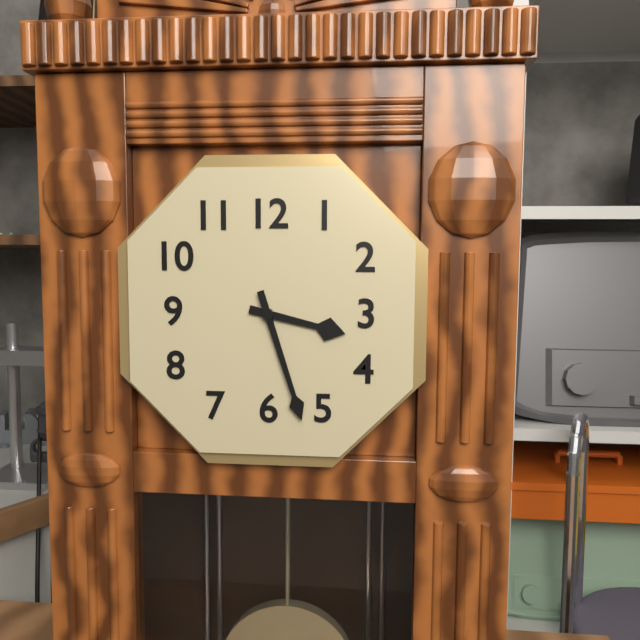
3:27
